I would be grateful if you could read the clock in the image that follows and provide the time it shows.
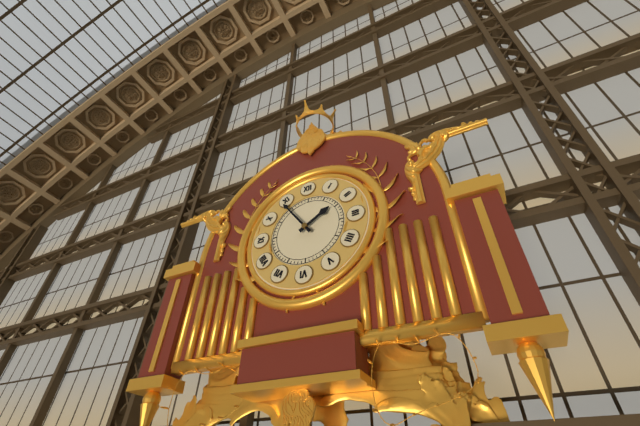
1:54
